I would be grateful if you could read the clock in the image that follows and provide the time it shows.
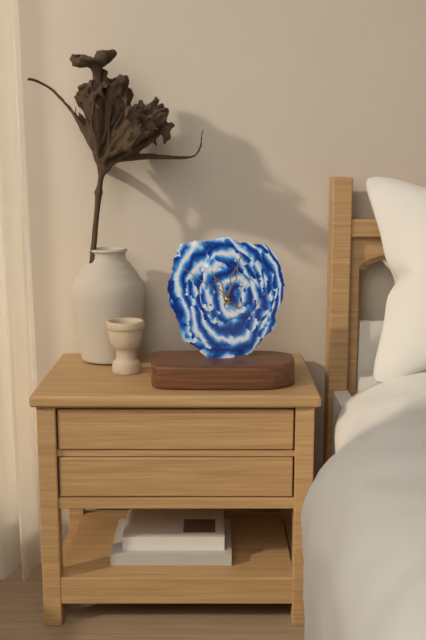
11:03:51
